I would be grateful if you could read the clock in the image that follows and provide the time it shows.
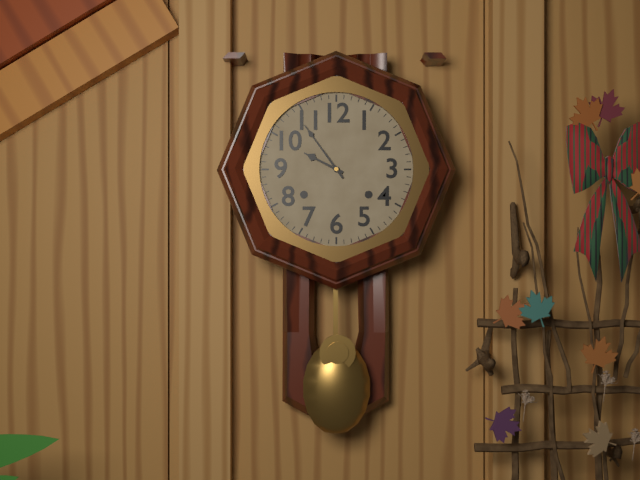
9:54
